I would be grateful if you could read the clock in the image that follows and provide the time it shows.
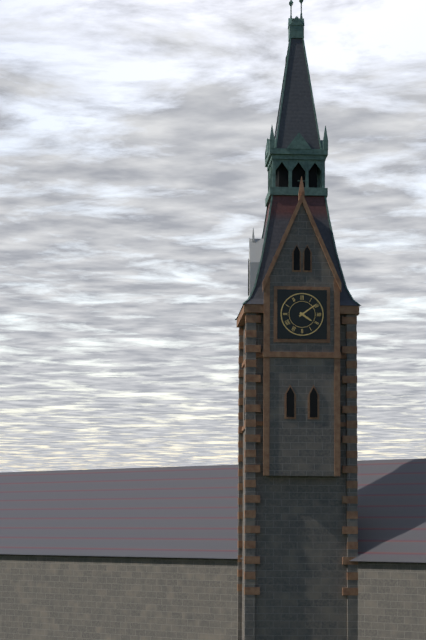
4:09
